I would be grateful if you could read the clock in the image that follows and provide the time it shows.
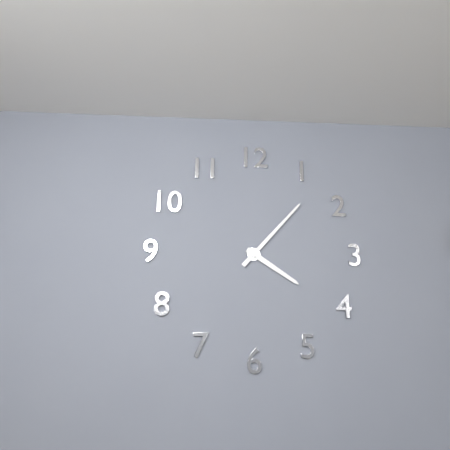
4:07
